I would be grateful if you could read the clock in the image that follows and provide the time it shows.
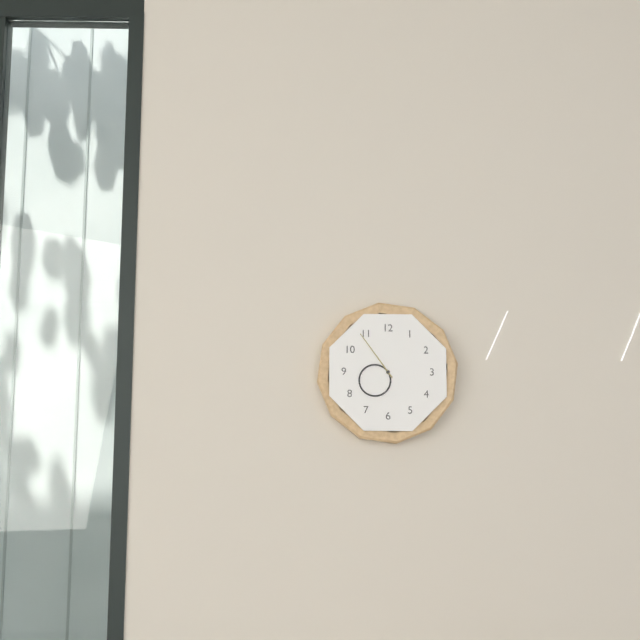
7:54
